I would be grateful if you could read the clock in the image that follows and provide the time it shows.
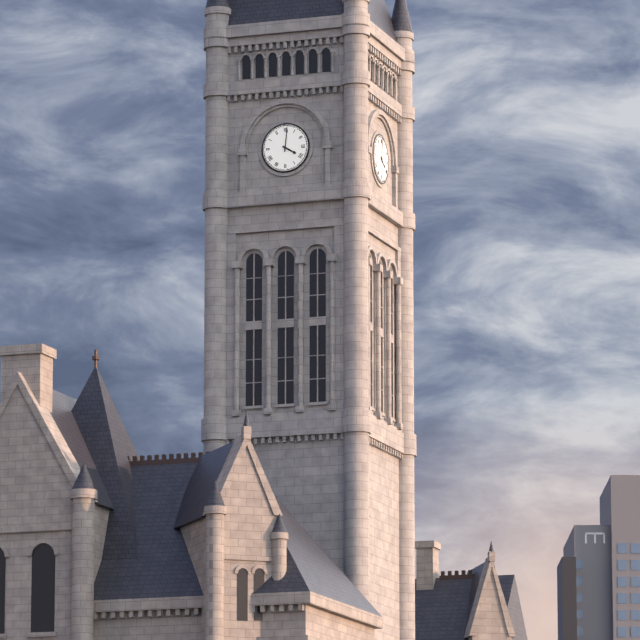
4:01
